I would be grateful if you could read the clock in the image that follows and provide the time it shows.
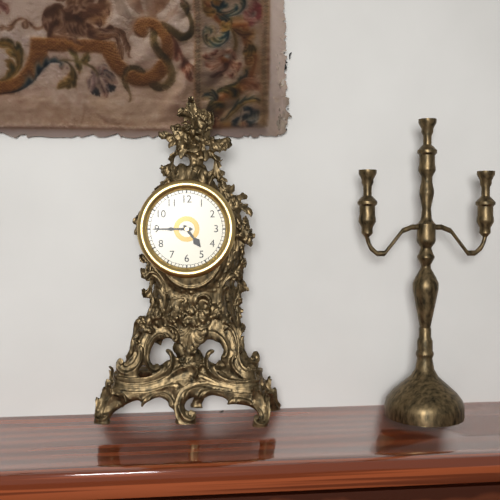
4:45
